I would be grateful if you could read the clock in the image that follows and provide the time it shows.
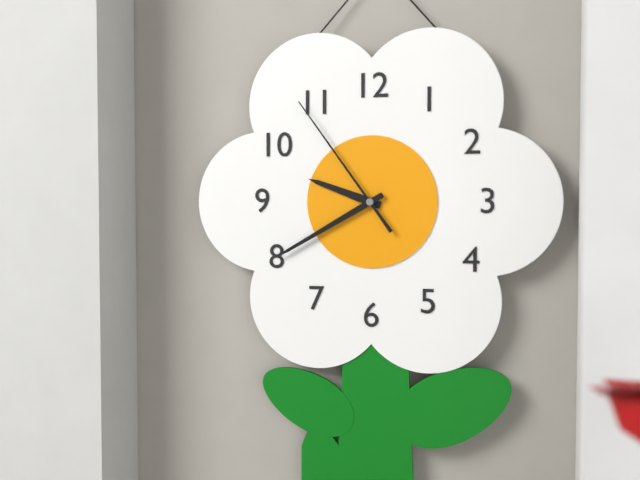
9:40:54
